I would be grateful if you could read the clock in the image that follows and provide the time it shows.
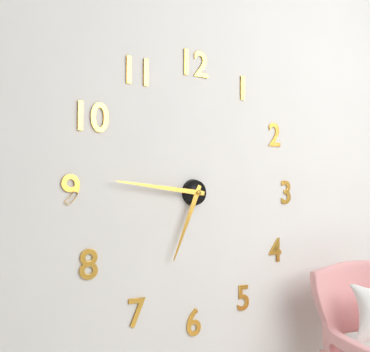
6:46
